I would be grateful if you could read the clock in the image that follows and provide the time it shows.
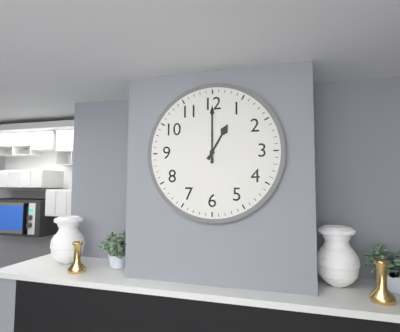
1:00
